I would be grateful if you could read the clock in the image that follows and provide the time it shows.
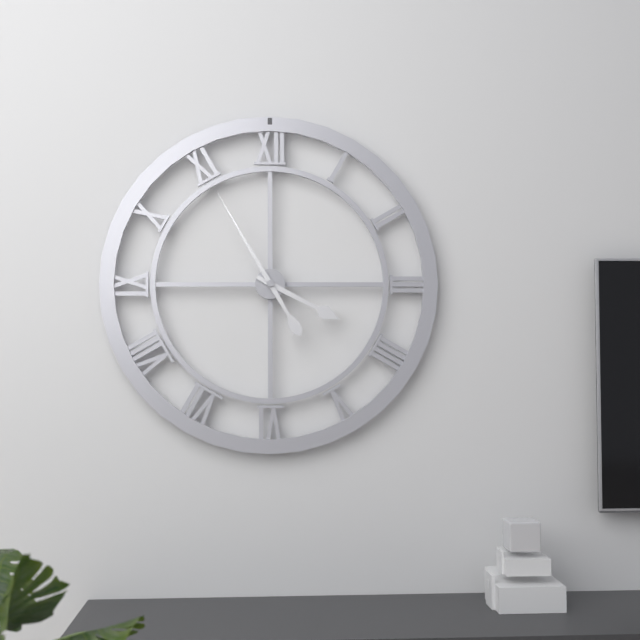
3:55
